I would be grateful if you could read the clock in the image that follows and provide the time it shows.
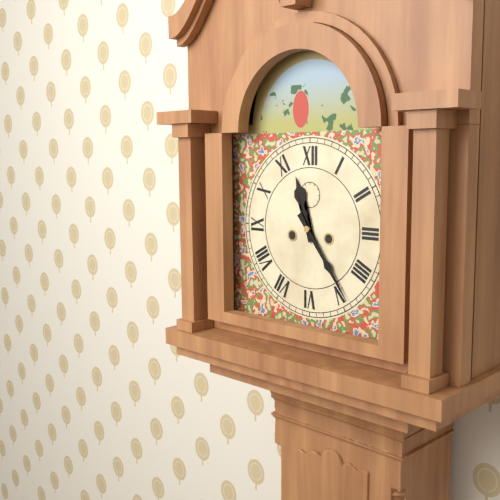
11:24
